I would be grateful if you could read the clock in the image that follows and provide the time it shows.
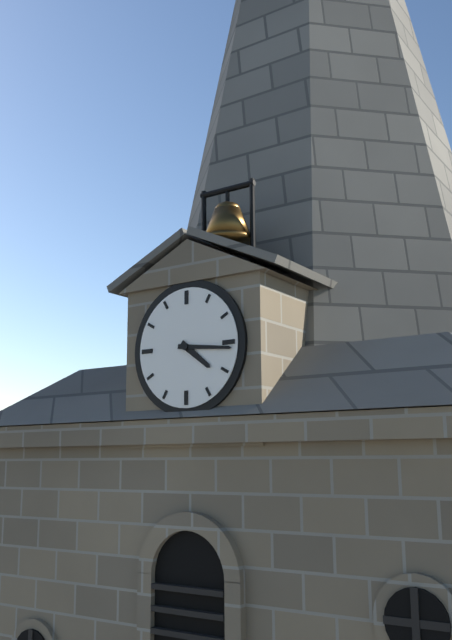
4:16
